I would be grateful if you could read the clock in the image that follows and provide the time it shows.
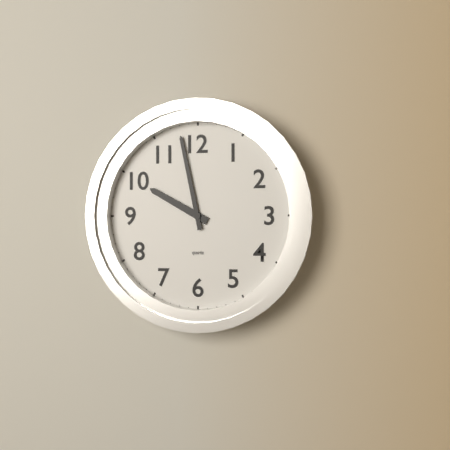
9:58
